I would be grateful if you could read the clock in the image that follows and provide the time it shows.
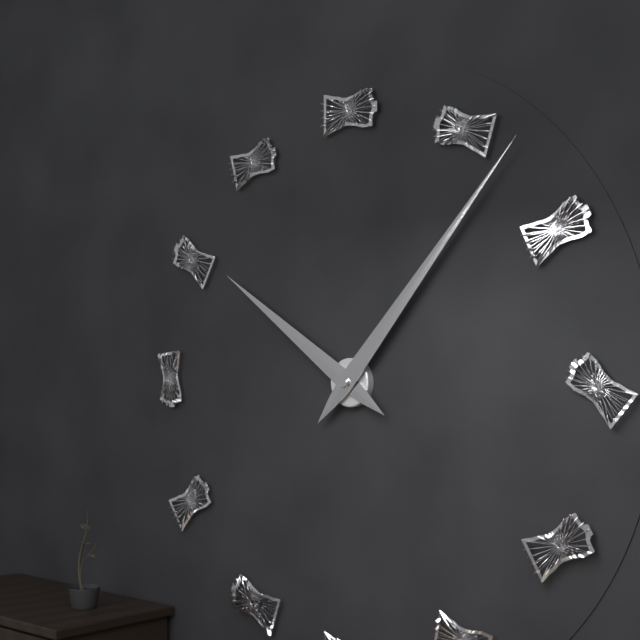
10:07
